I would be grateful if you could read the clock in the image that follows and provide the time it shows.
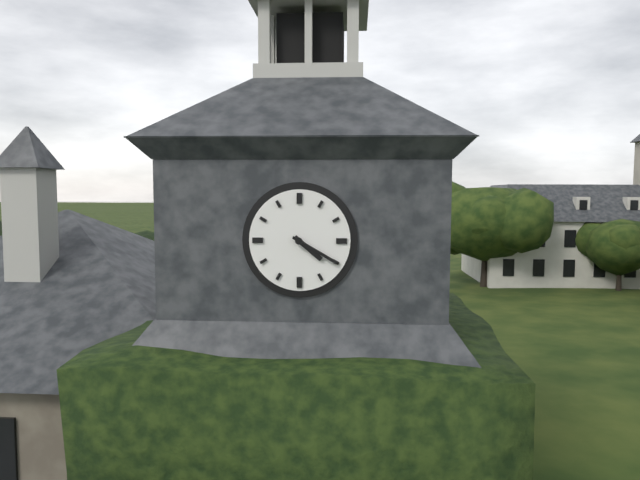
4:20
